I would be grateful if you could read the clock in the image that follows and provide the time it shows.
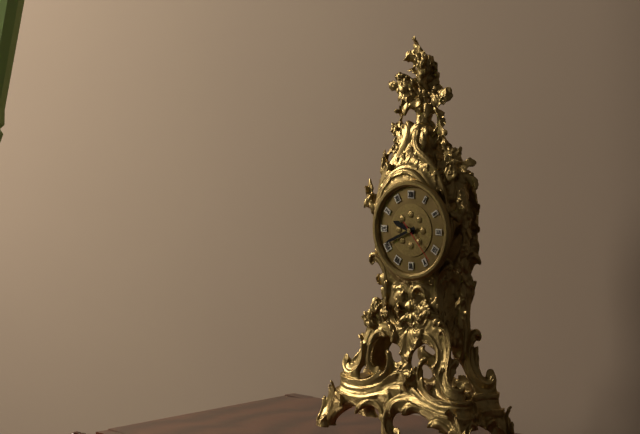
9:41
